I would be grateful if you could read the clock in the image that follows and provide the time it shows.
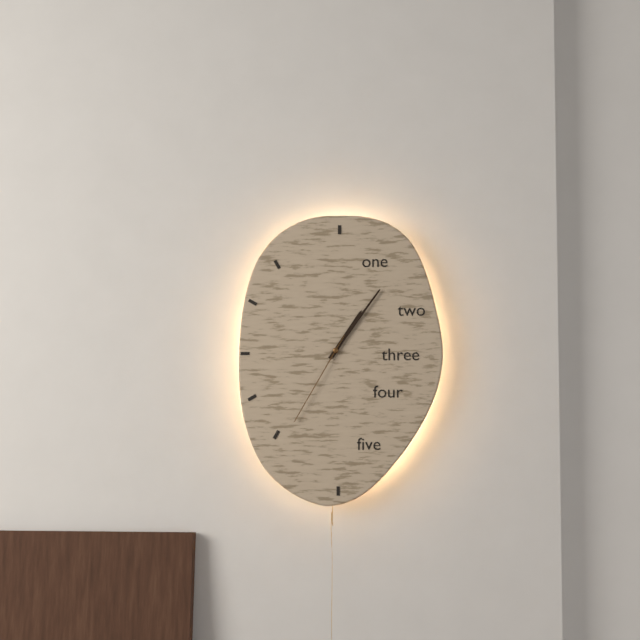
1:06:35
